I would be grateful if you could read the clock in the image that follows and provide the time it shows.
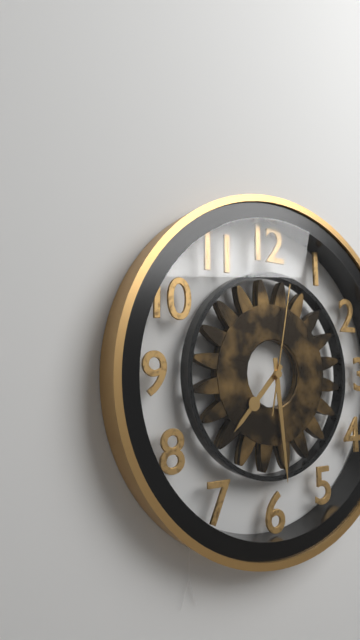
7:29:02
